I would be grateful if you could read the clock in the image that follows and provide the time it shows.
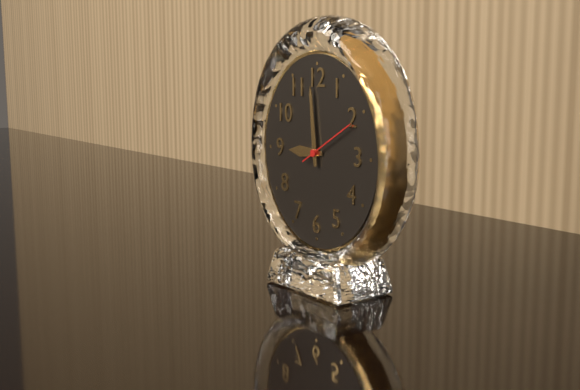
8:59:10
